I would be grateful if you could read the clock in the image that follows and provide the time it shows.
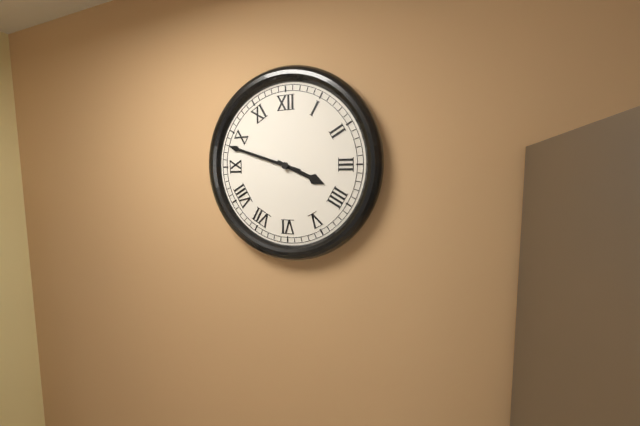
3:48
